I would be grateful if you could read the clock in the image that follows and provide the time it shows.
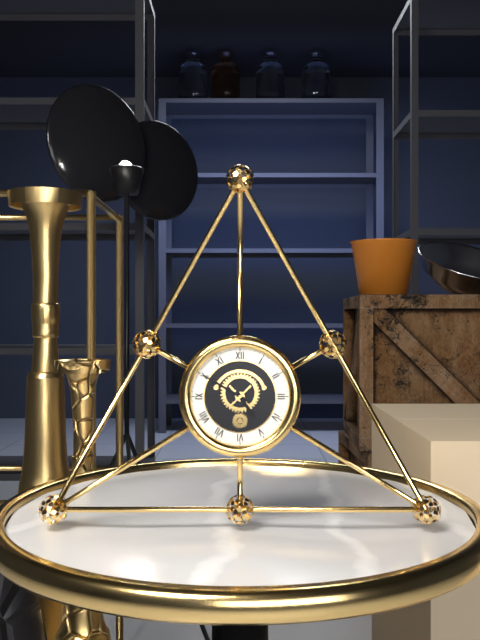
4:50
